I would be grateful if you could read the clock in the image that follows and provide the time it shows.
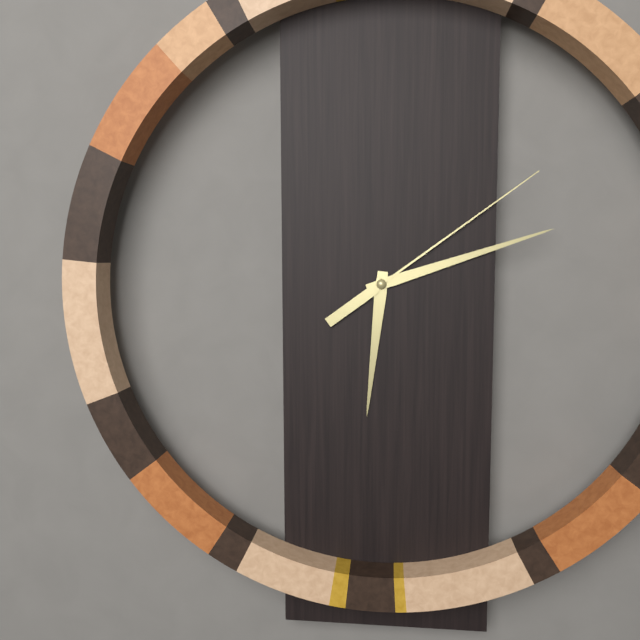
6:12:09
